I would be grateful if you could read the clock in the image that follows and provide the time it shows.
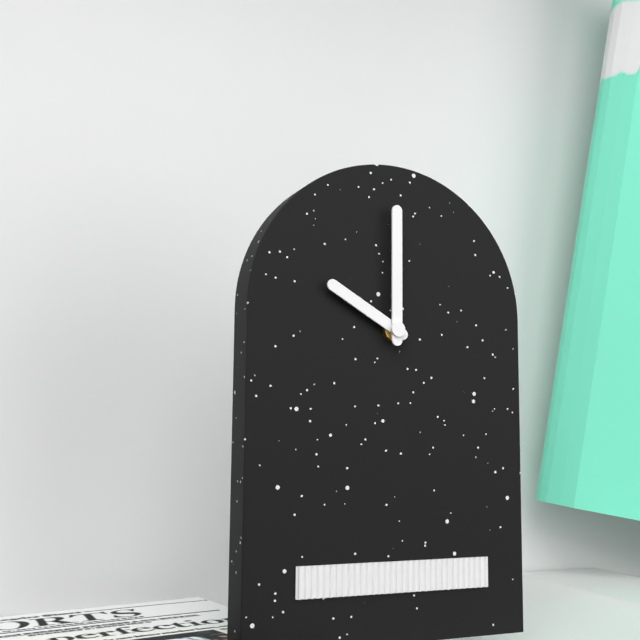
10:00
